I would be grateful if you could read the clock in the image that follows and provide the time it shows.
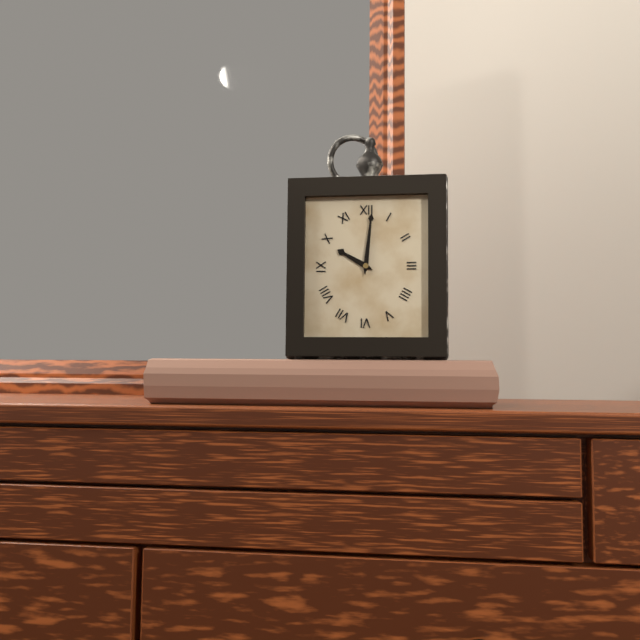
10:01
